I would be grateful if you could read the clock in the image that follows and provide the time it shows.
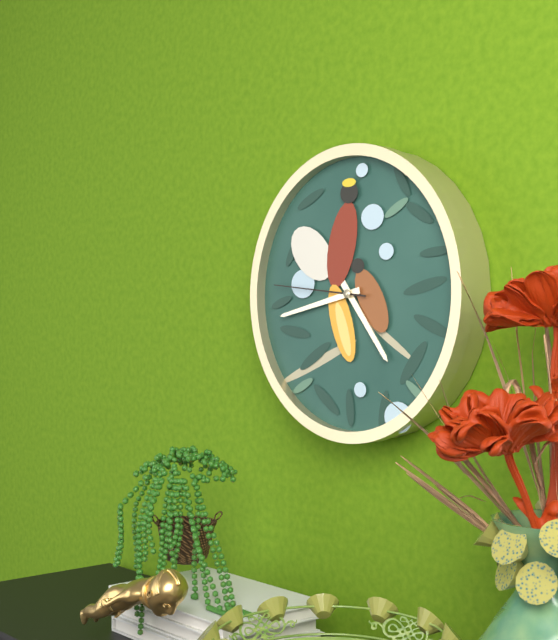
4:43:46
